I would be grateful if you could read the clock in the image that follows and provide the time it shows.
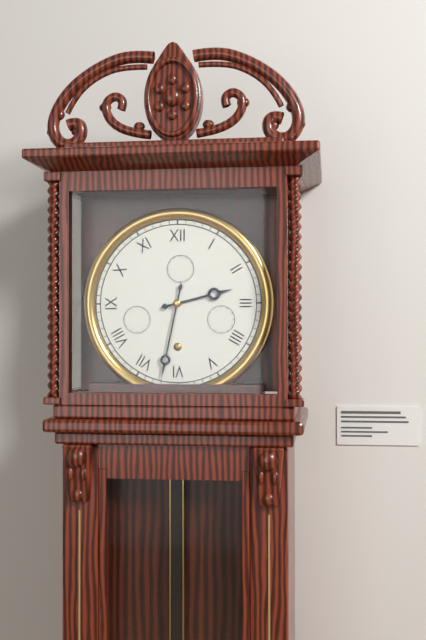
2:32
